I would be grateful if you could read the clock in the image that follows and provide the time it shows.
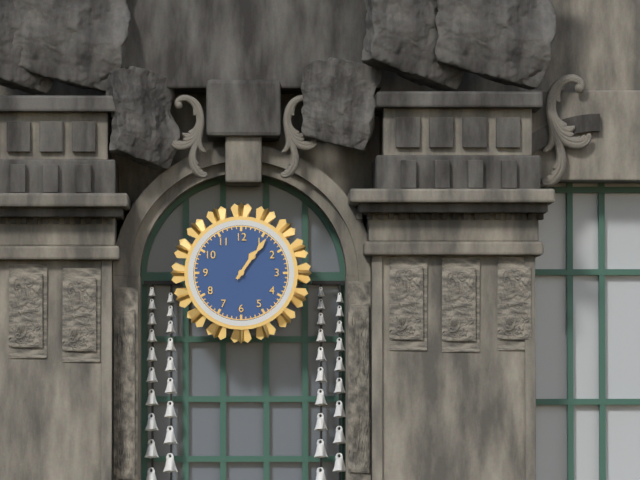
1:06
